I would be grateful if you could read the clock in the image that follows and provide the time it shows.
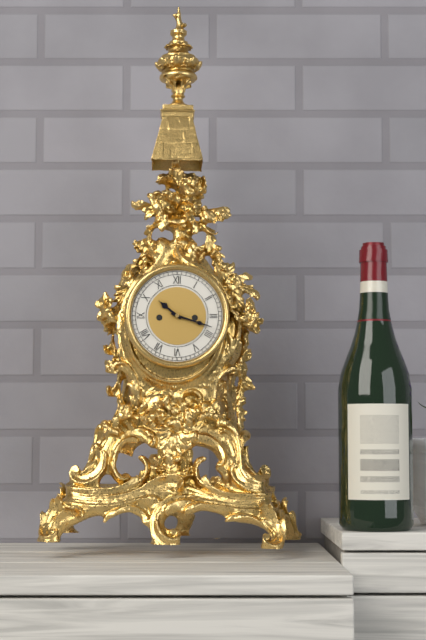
10:18
